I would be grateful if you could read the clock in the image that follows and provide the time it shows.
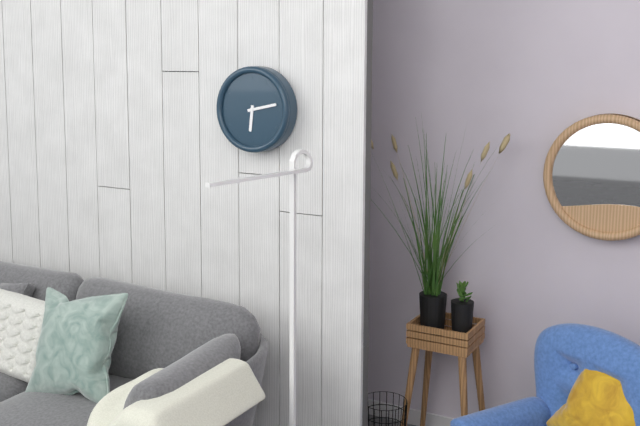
6:13
